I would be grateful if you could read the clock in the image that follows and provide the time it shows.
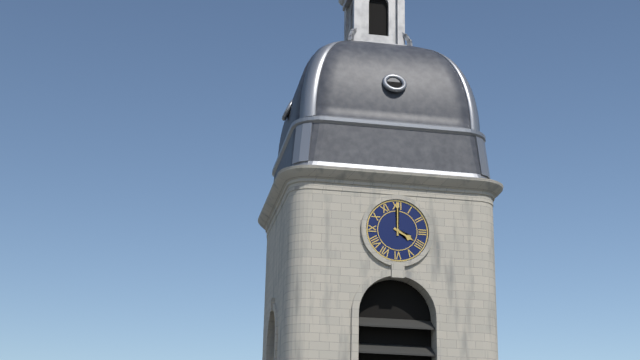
4:00
